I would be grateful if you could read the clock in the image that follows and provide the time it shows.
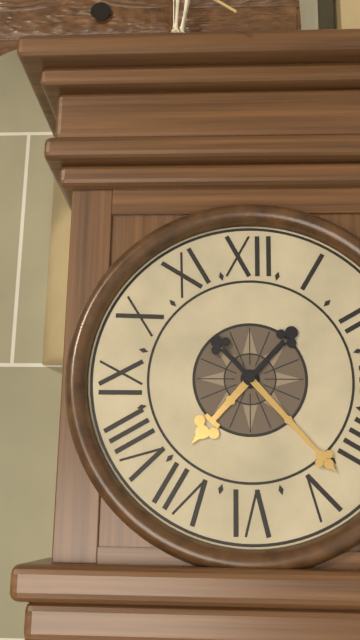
7:23
